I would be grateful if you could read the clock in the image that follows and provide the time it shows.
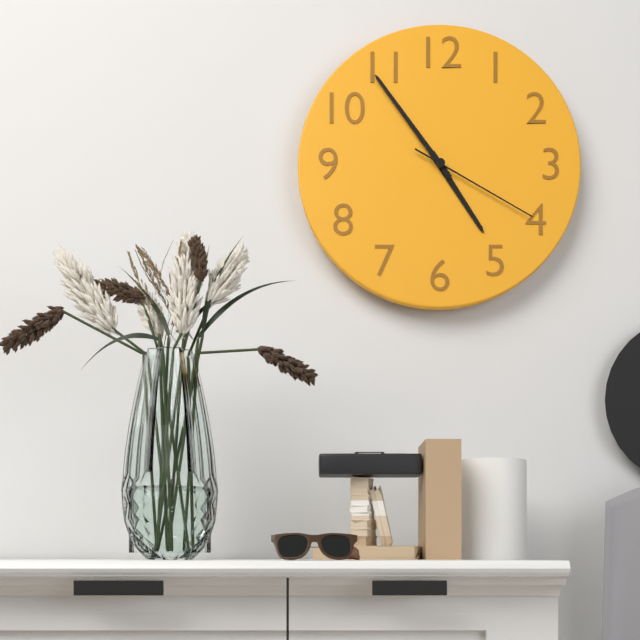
4:54:20
